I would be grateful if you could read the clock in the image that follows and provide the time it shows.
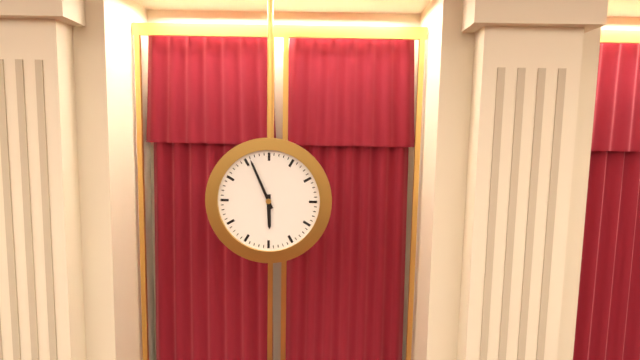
5:56
